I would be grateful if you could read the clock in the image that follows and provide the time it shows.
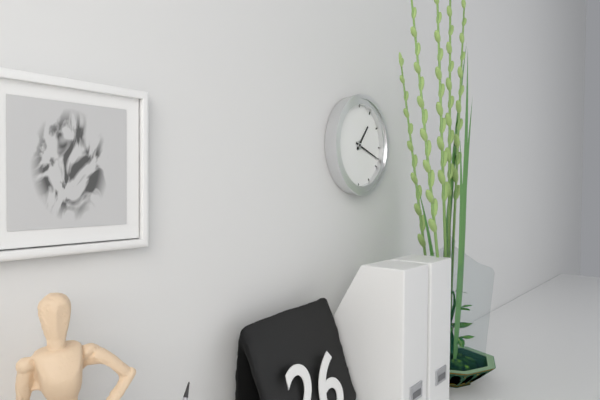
1:18
